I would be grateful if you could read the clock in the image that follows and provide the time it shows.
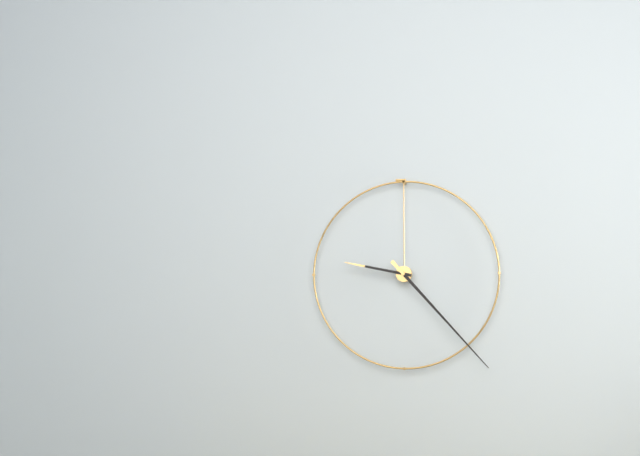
9:23
